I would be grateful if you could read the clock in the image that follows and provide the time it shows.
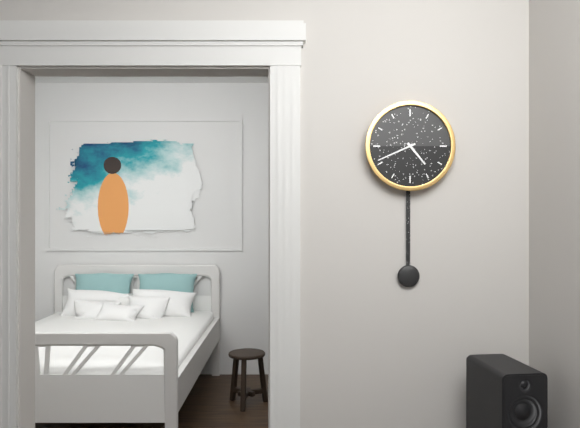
4:41
